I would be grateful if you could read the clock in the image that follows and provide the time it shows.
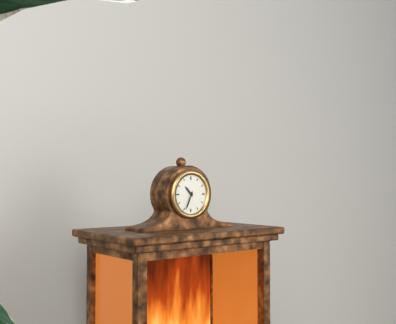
10:34
